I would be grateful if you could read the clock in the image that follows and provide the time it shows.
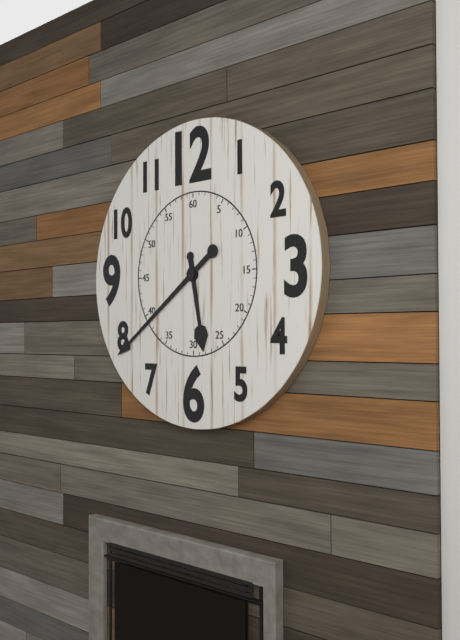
5:39
